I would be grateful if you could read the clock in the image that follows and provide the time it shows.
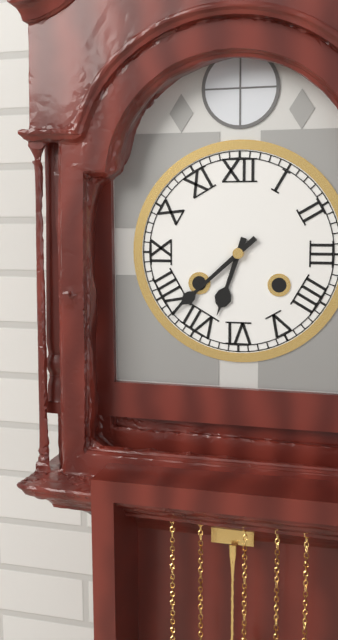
6:38
